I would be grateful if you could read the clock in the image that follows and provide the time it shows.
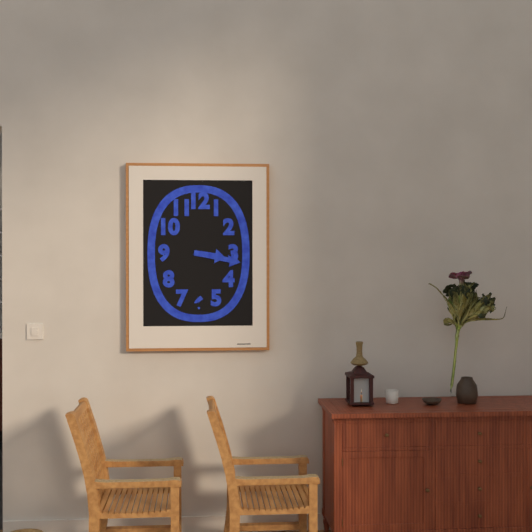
3:17
